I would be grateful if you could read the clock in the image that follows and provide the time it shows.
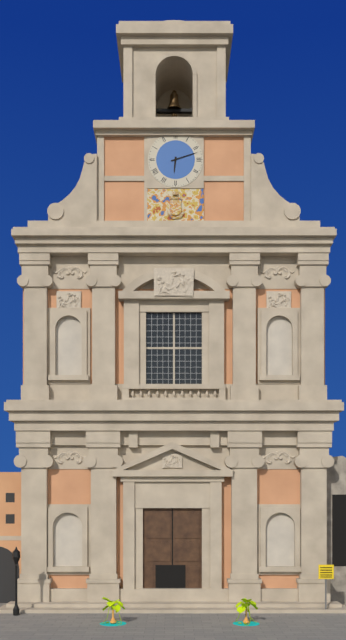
6:12
